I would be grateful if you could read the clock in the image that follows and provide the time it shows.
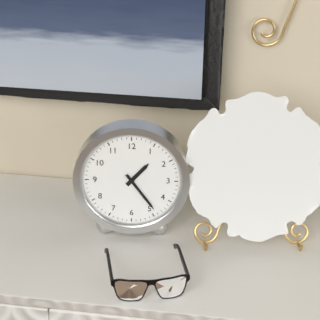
1:24
